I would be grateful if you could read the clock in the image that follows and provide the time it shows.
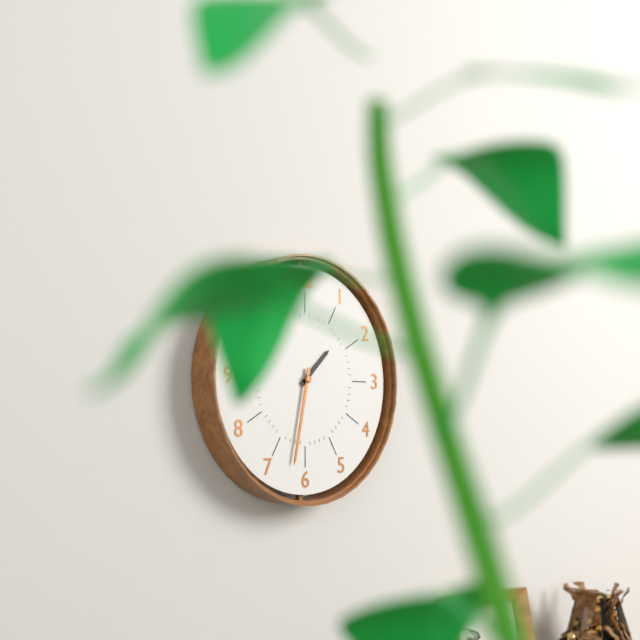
1:32
